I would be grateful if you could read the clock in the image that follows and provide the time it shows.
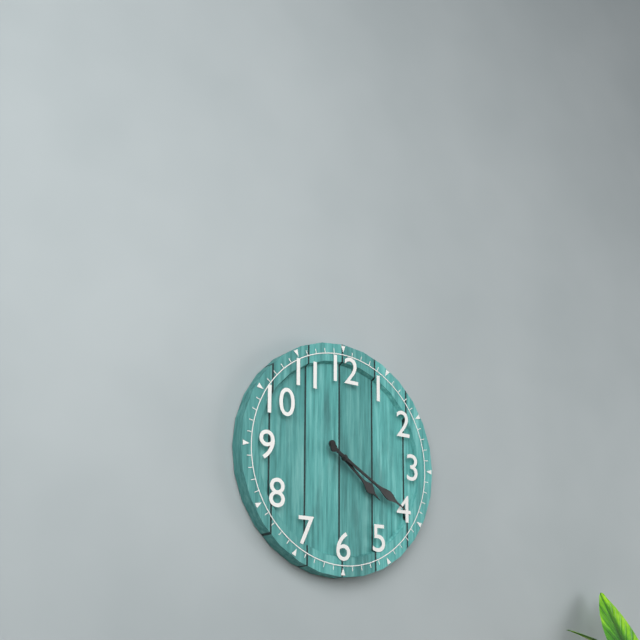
4:20
